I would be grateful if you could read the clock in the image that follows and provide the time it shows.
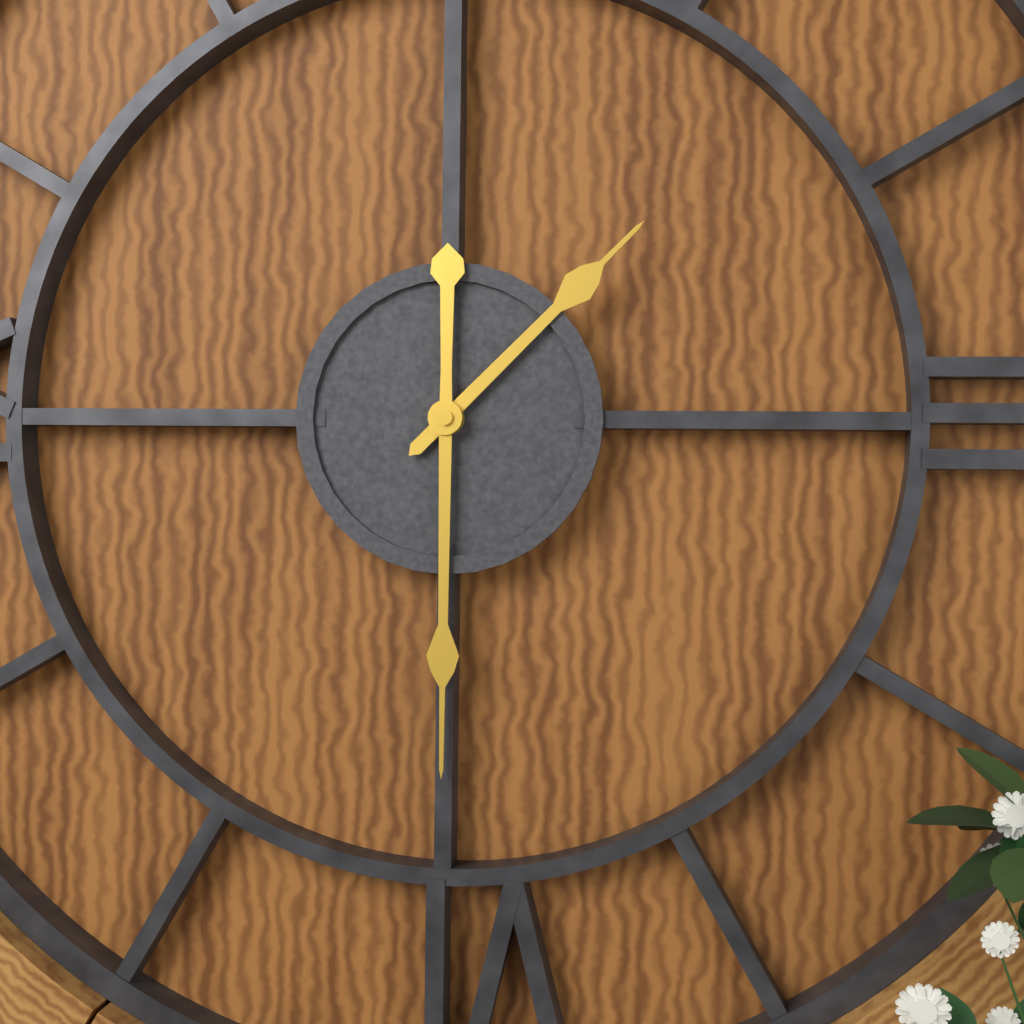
1:30
